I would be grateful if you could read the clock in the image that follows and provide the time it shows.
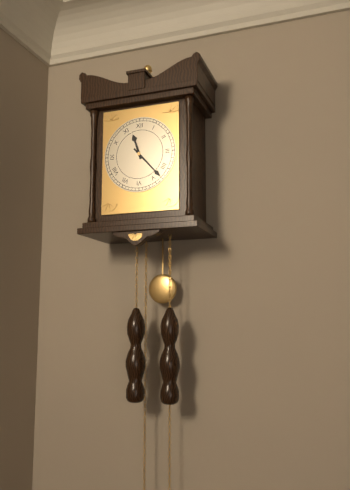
11:23
